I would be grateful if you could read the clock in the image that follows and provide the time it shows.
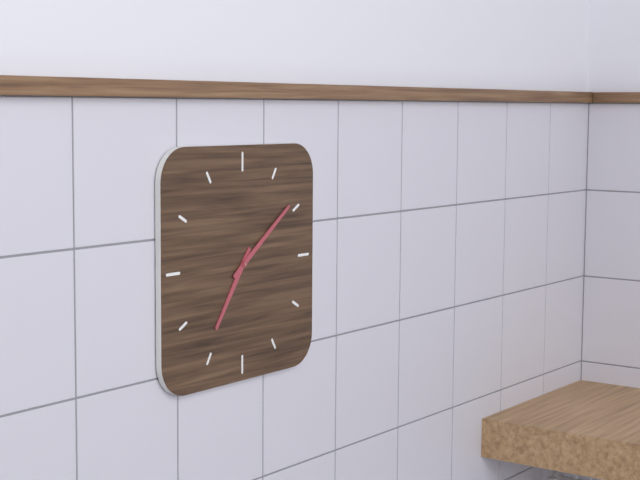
7:09
